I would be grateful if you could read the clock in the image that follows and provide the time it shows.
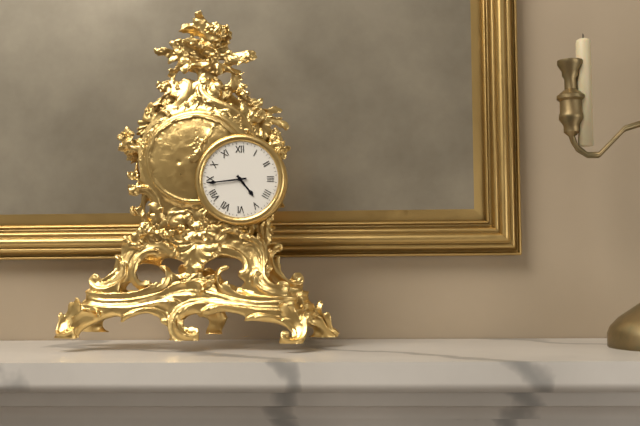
4:44
